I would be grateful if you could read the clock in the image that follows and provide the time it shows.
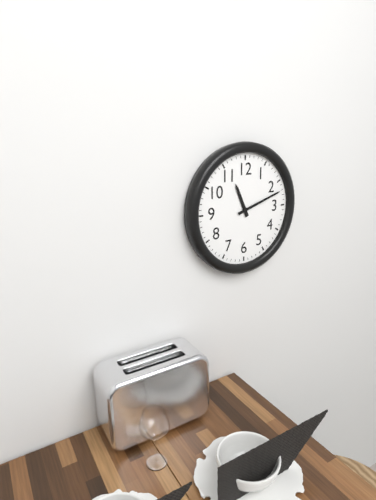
11:12
